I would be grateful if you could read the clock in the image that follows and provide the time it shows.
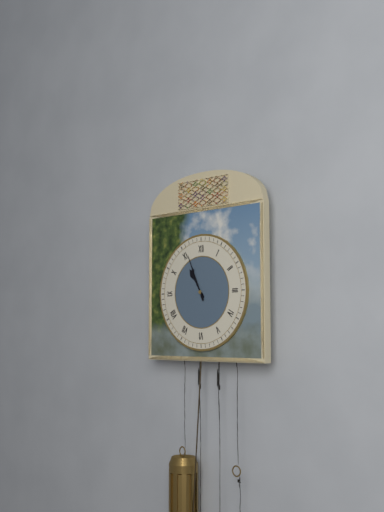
10:56
